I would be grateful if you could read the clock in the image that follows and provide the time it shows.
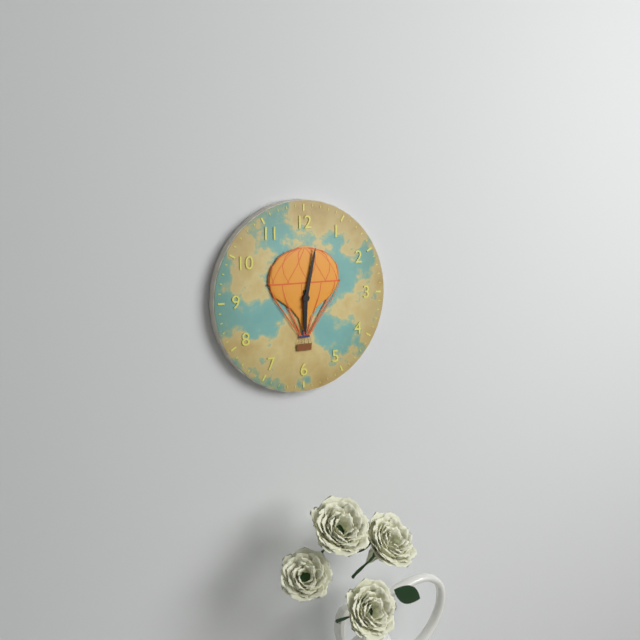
6:02
